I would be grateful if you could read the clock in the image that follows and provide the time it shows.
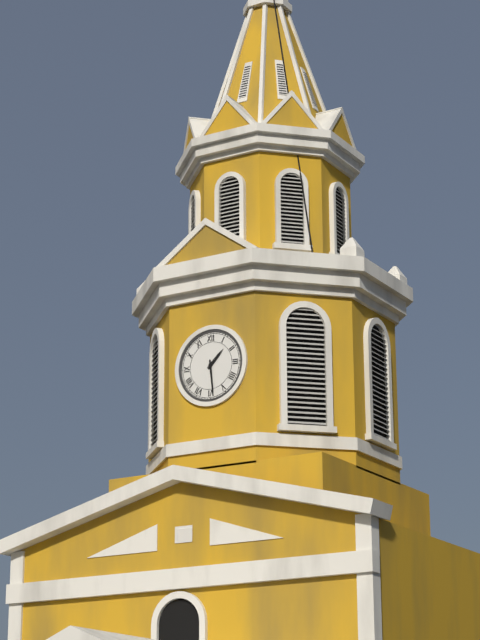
1:29
